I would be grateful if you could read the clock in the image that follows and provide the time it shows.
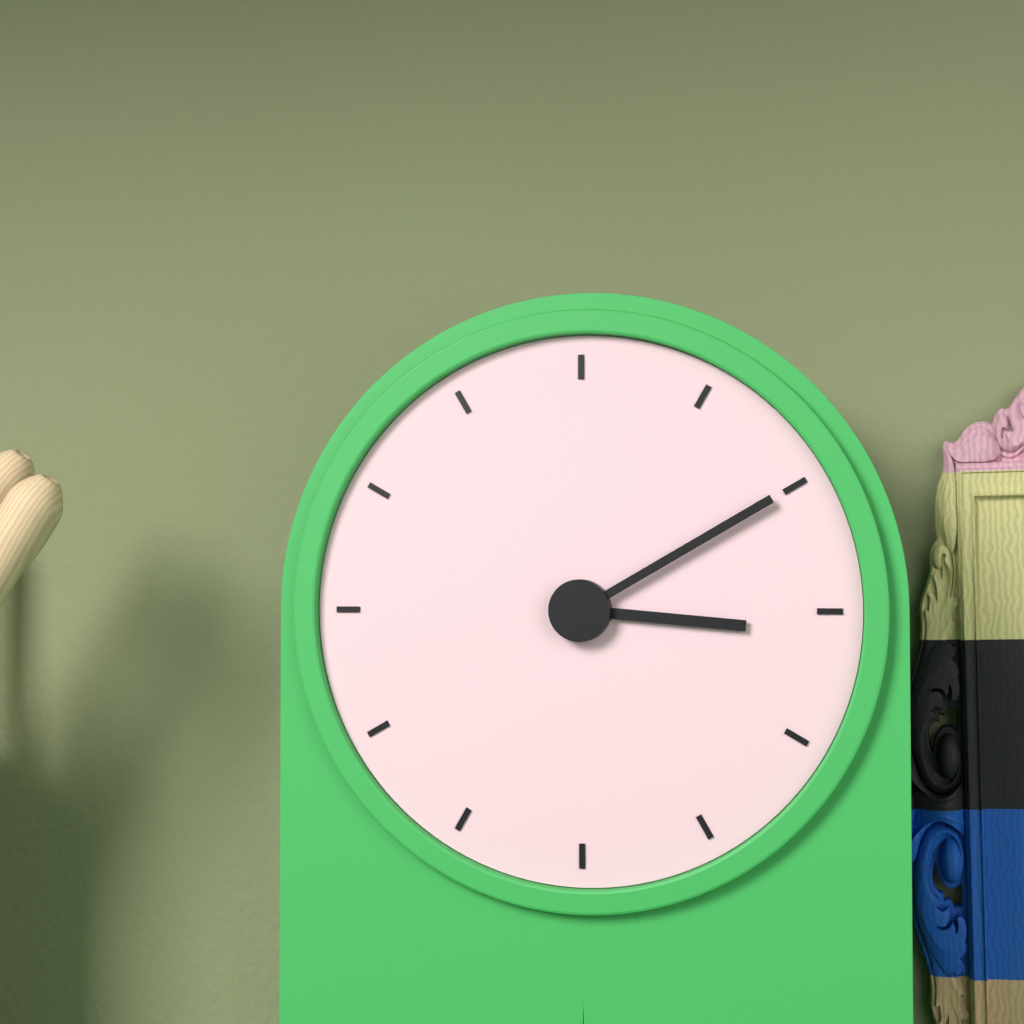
3:10
